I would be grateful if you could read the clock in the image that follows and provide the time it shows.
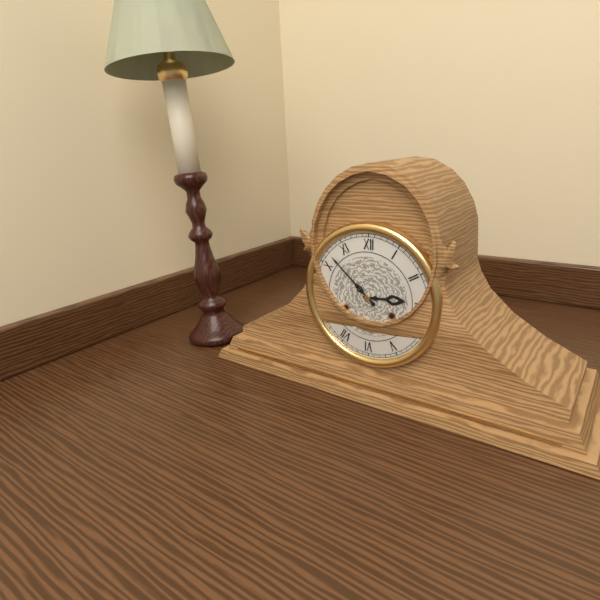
2:52
